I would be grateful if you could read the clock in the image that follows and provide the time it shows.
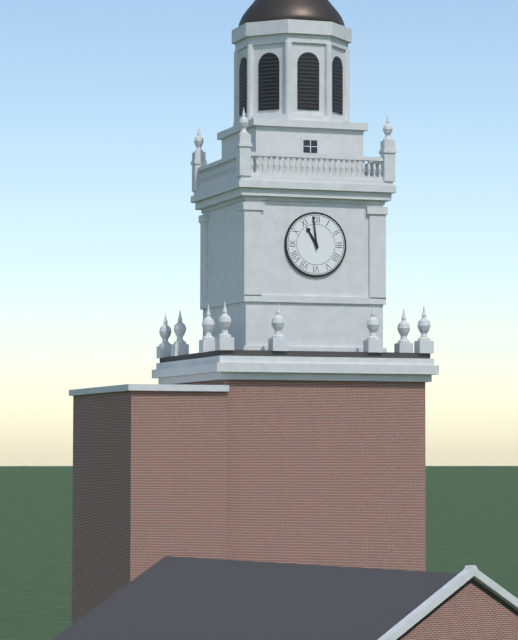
10:59
